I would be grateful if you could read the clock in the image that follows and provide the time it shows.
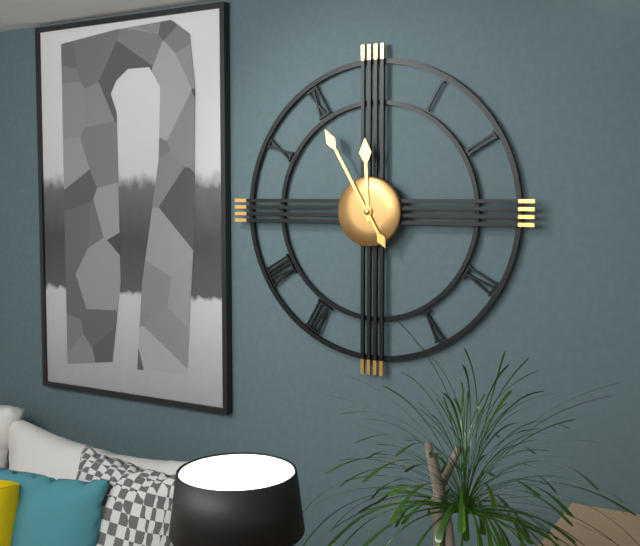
11:55
